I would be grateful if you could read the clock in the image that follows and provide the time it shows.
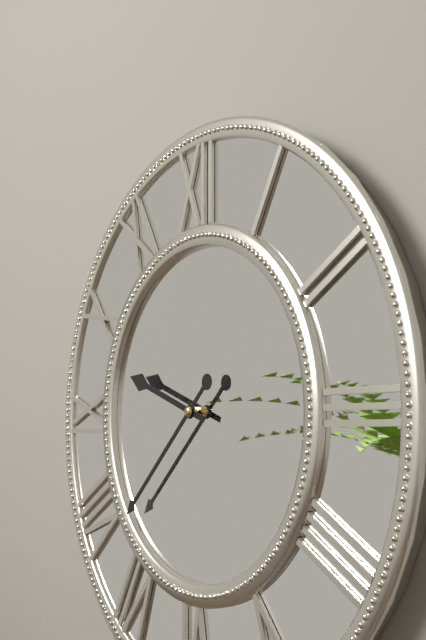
9:38
